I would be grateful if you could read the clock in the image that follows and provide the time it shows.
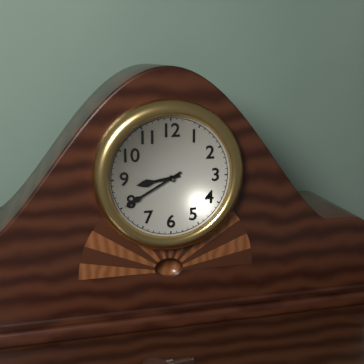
8:40
